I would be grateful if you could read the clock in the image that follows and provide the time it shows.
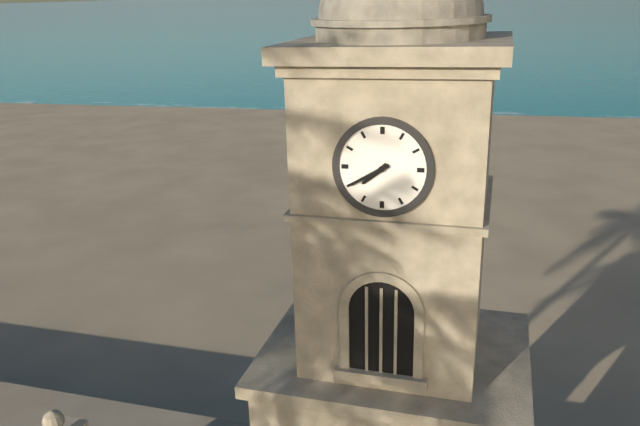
7:40
